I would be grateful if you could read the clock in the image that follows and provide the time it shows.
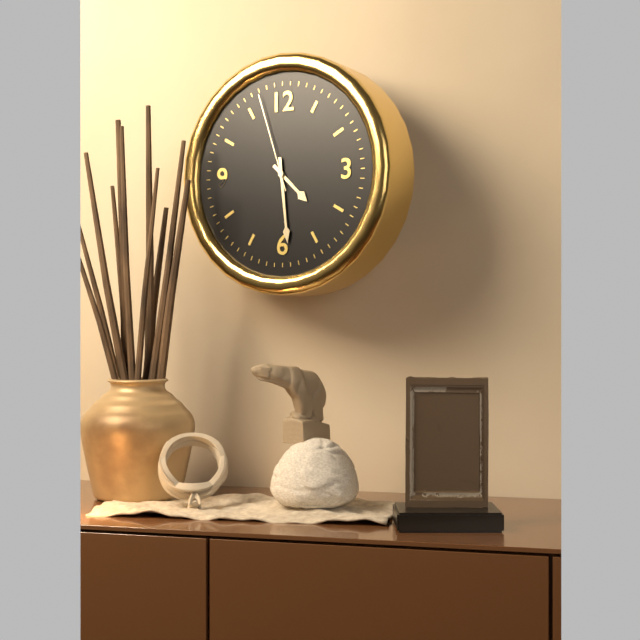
4:29:57
